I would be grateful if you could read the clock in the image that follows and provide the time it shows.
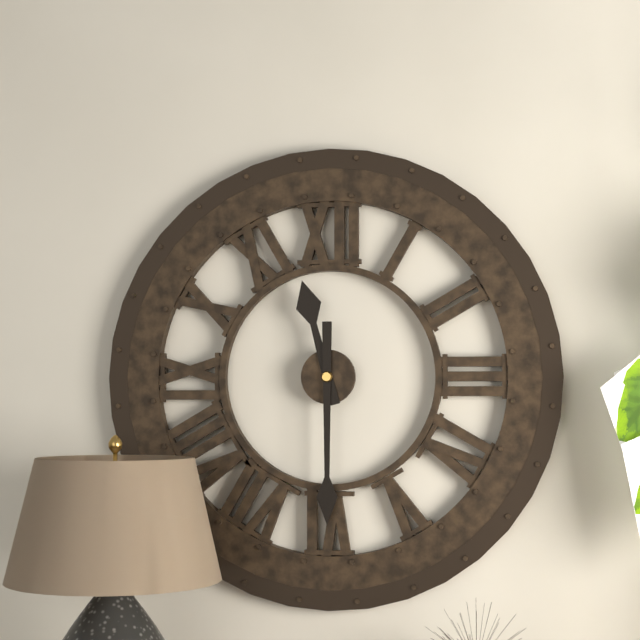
11:30
